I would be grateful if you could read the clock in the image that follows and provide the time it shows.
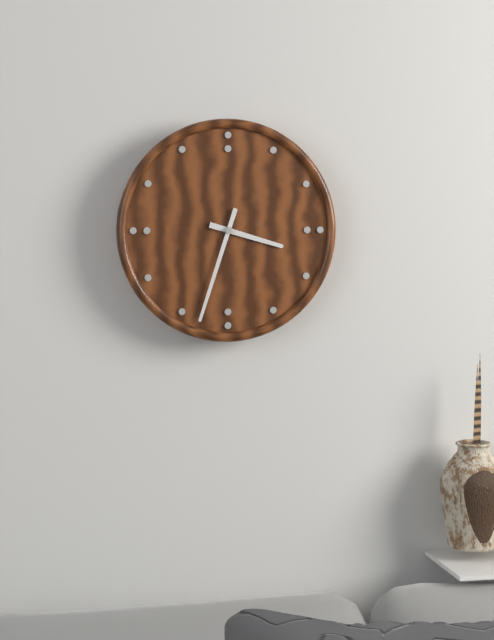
3:33
